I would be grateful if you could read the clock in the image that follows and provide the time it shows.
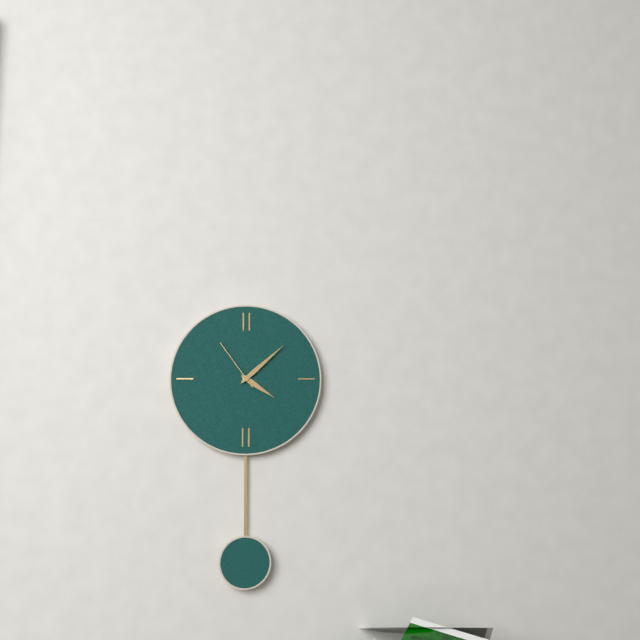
4:08:54
